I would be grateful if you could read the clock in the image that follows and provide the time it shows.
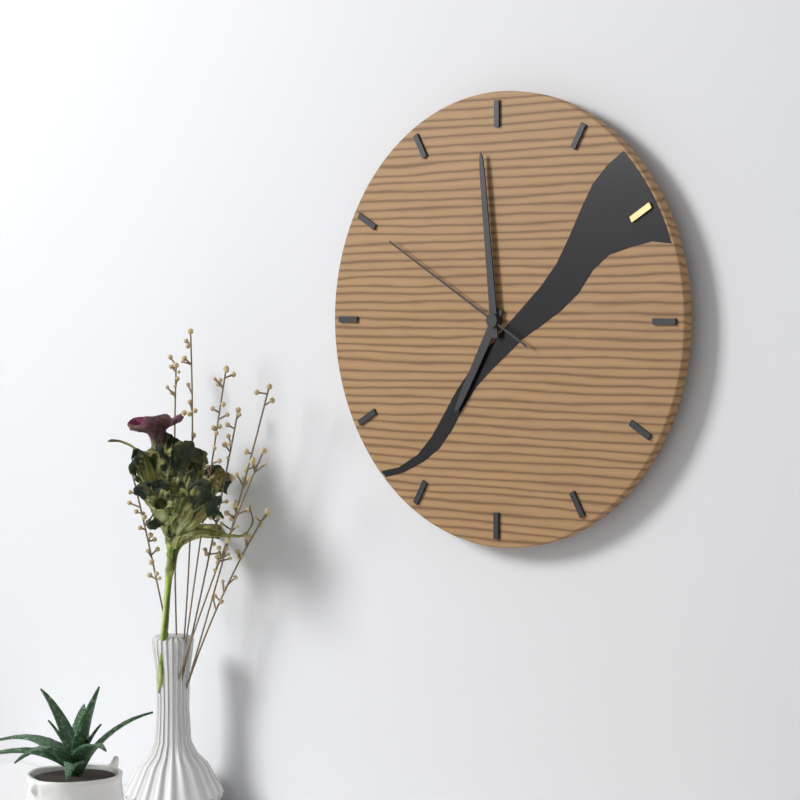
6:59:50
